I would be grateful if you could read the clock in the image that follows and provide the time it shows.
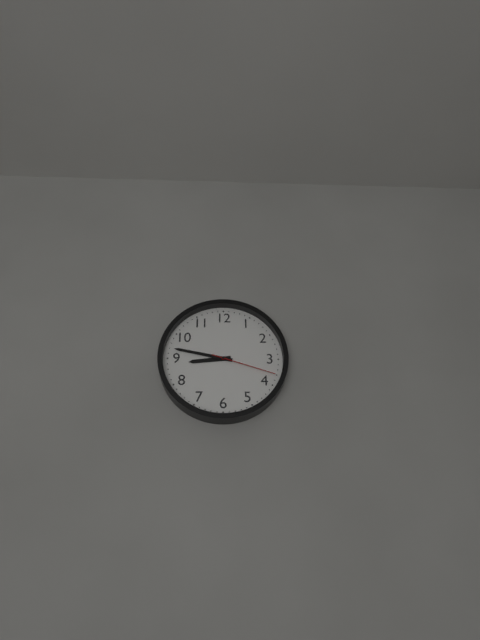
8:47:18
